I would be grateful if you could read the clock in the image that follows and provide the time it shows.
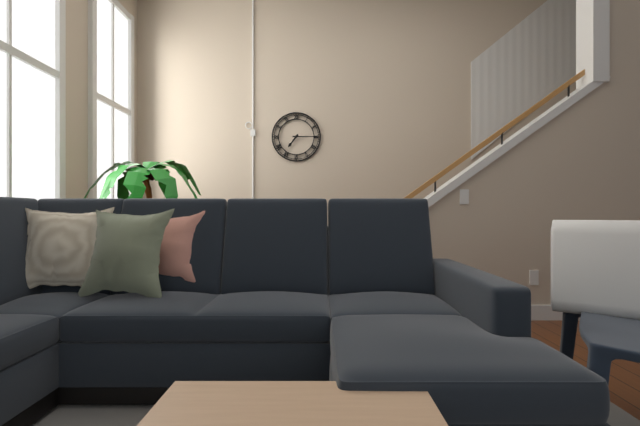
7:15
